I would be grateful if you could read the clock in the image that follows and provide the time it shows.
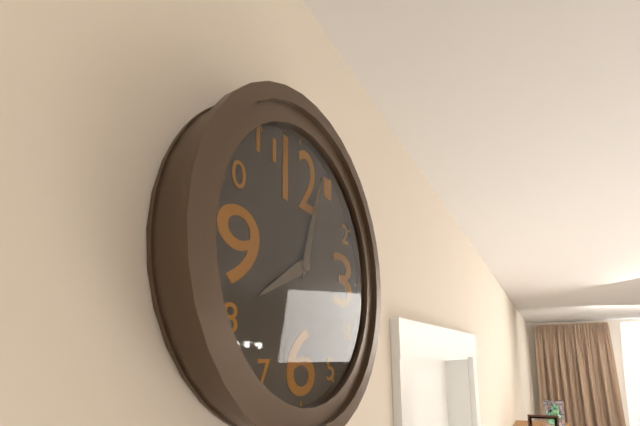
8:03
